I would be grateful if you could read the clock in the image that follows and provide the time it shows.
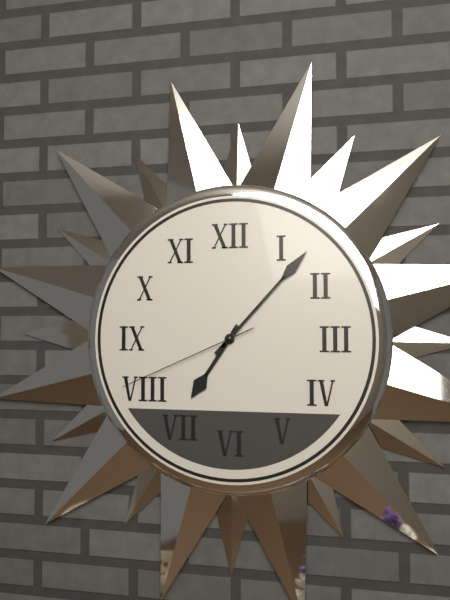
7:07:41
